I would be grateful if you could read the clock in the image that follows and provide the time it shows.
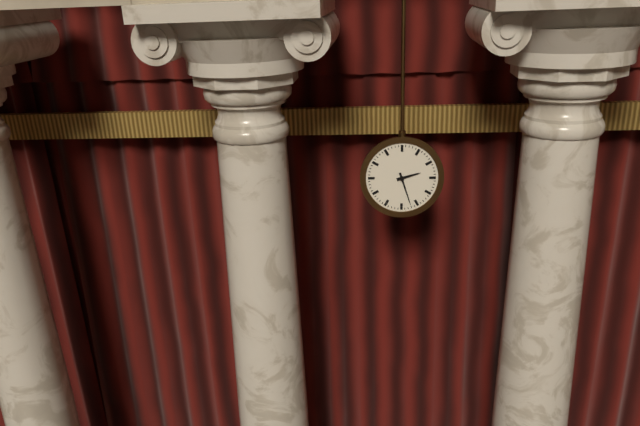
2:27
